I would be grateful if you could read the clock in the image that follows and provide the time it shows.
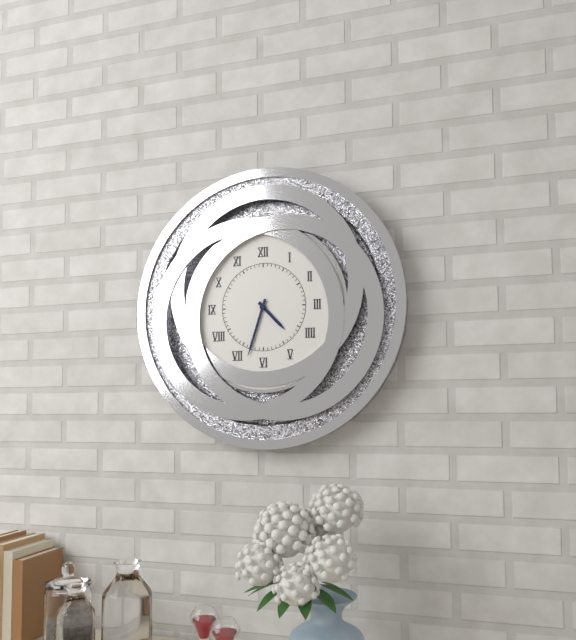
4:33
